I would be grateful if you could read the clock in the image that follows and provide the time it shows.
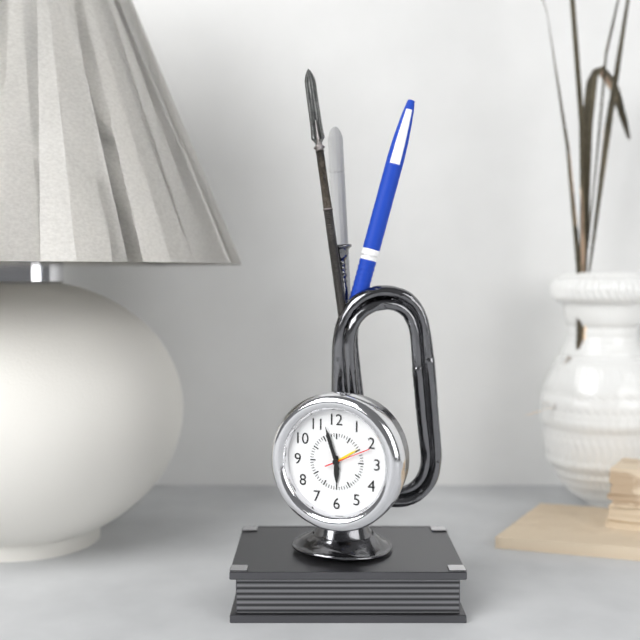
5:57
